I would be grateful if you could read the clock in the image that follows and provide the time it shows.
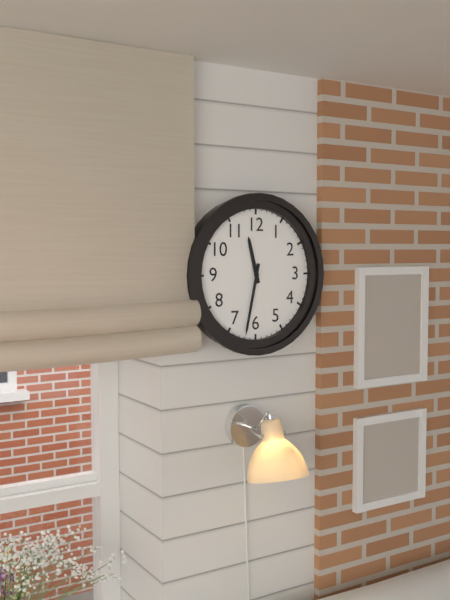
11:32
